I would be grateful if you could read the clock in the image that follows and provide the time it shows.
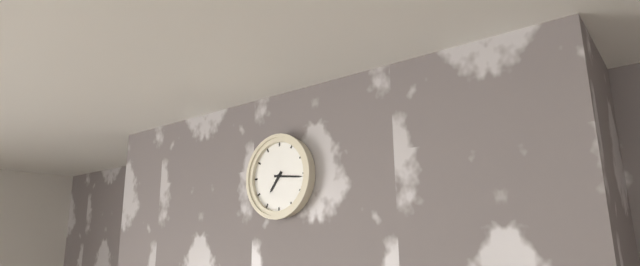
7:16
